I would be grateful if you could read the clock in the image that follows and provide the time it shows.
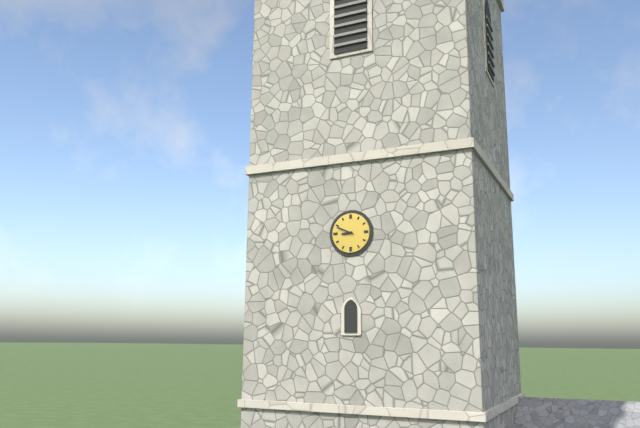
8:49
